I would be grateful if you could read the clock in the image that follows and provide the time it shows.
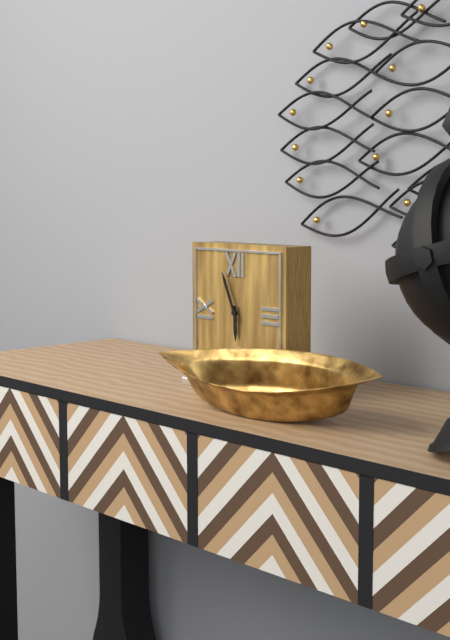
5:56
